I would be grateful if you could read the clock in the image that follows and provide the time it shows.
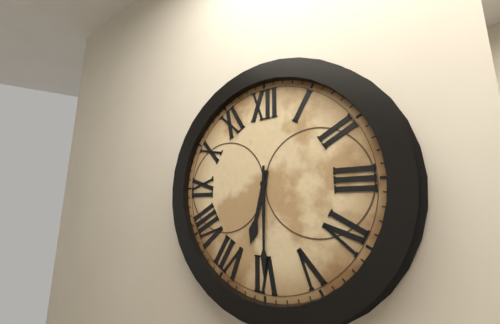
6:30
